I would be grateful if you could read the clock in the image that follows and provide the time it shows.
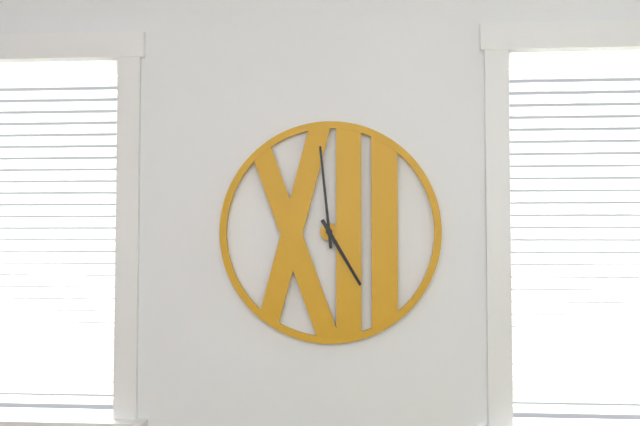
4:59
